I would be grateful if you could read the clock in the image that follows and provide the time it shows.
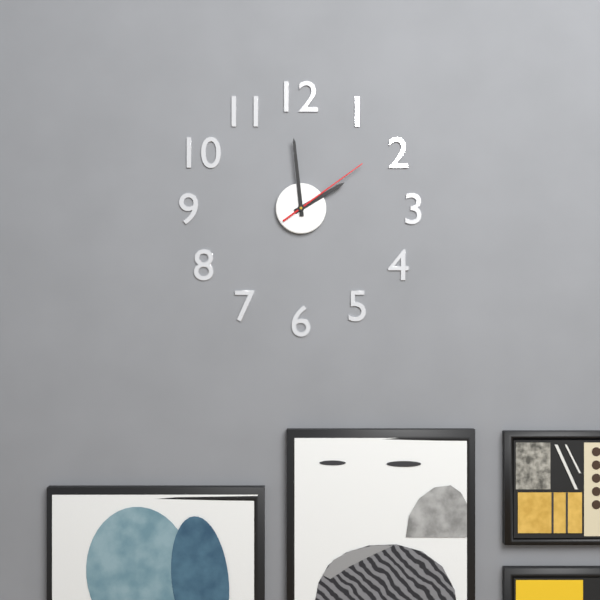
1:59:09
